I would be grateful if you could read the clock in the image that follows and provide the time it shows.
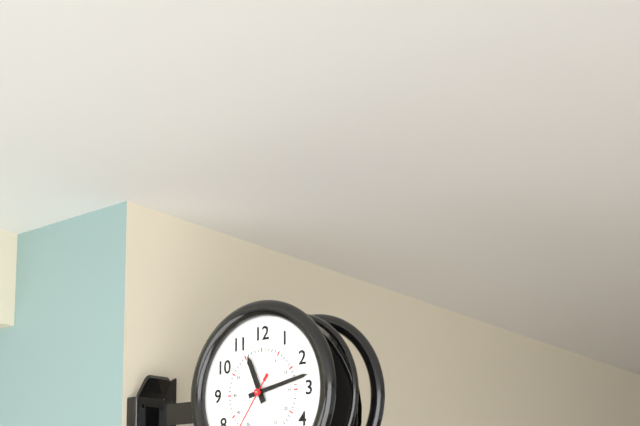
11:13
